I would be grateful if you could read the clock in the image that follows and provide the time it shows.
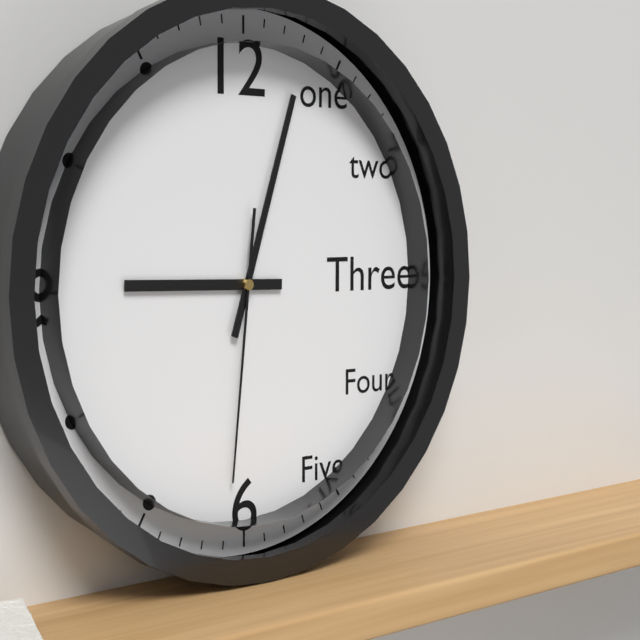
9:03:31
